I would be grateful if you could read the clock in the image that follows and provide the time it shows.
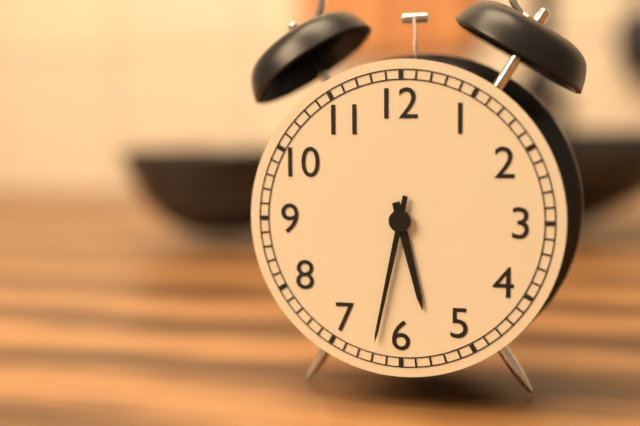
5:32
